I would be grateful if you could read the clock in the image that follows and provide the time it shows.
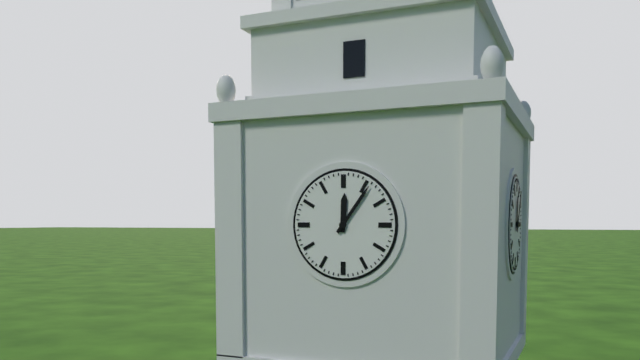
12:06
